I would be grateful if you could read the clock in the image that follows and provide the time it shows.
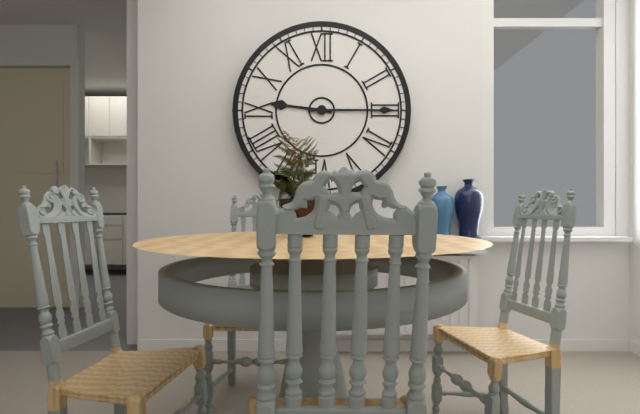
9:15
